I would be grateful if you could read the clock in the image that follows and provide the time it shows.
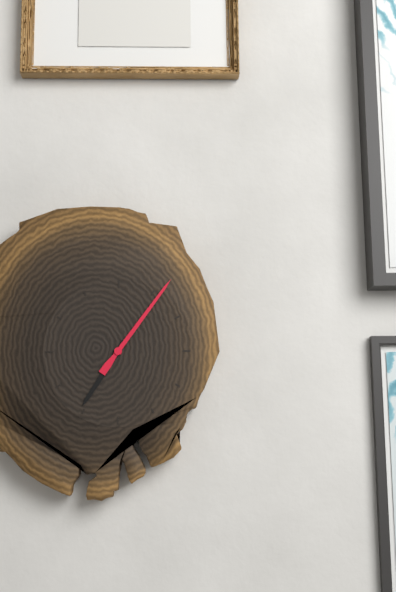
7:06
